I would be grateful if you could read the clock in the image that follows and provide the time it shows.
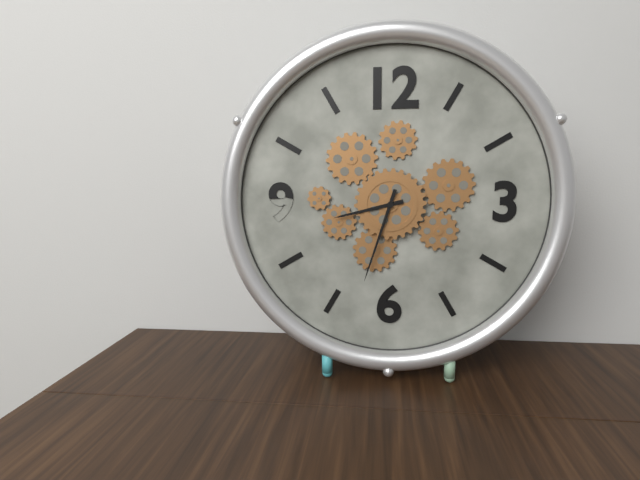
8:33
